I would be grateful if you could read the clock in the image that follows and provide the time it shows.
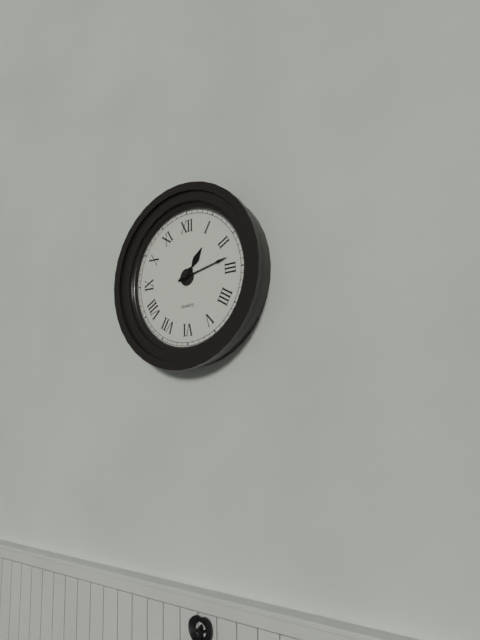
1:13
